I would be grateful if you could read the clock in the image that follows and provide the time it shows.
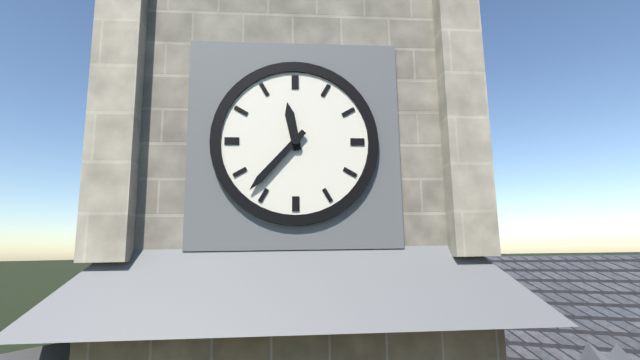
11:37
